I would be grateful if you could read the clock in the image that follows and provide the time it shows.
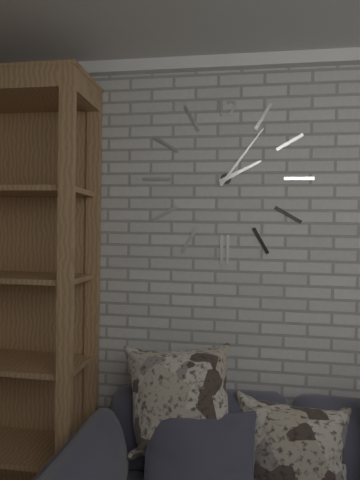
2:06
